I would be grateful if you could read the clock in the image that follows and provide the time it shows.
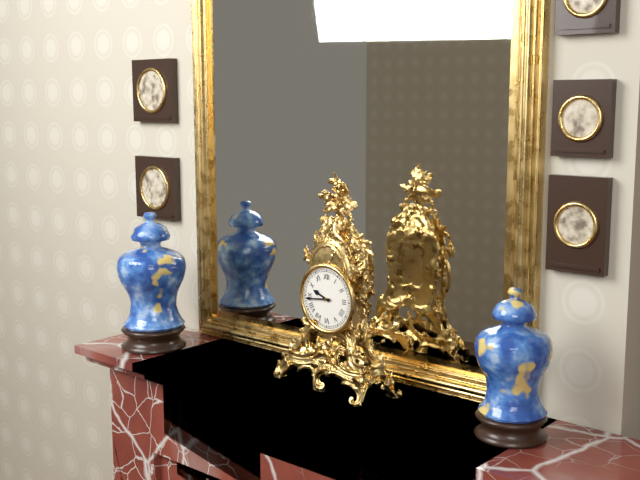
9:44
